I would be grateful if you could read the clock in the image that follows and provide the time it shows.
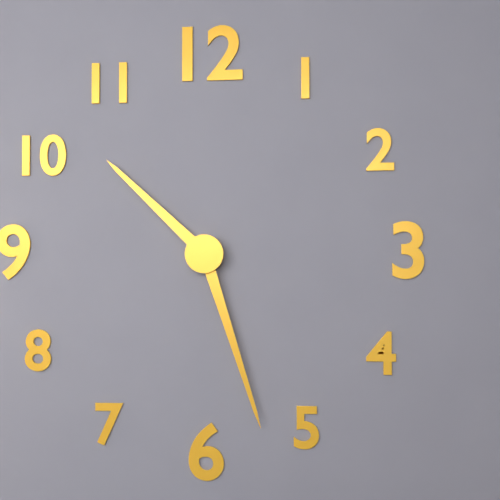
10:27
